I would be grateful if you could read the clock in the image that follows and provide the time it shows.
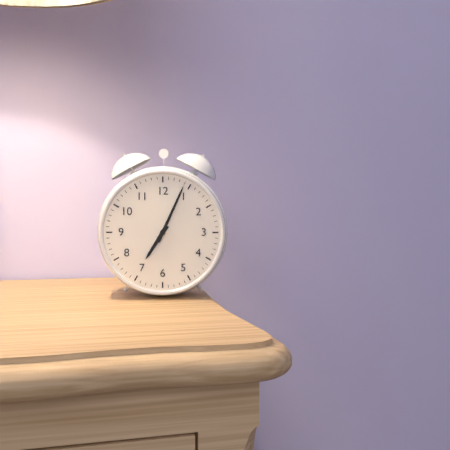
7:04
